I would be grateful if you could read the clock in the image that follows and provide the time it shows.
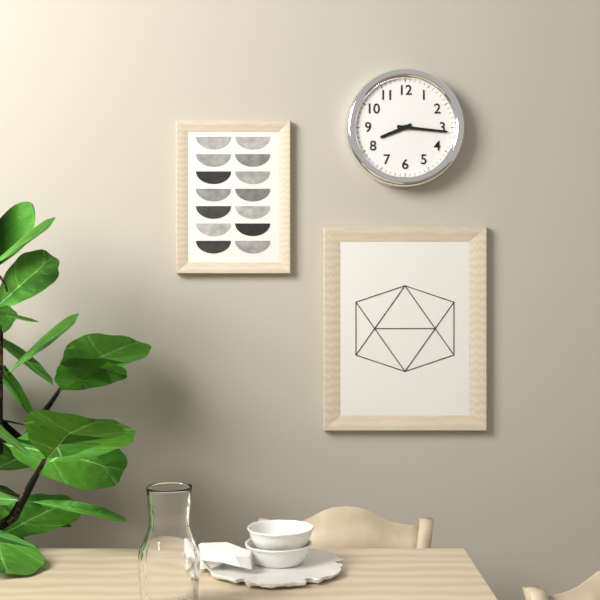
8:16
